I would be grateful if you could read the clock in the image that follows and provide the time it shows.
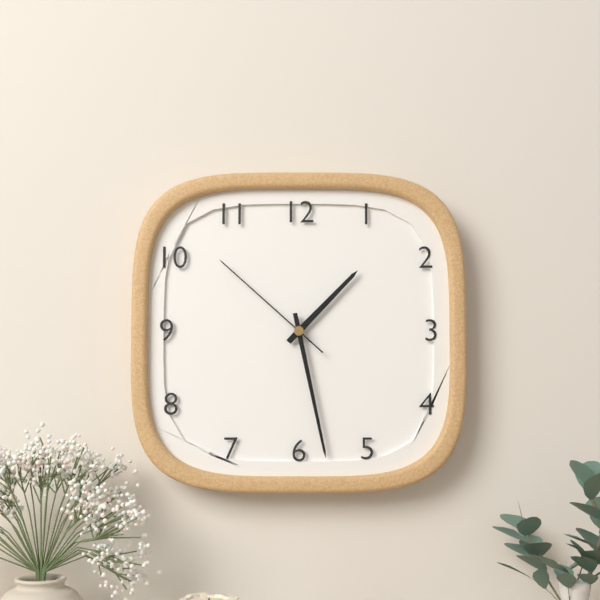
1:28:52
